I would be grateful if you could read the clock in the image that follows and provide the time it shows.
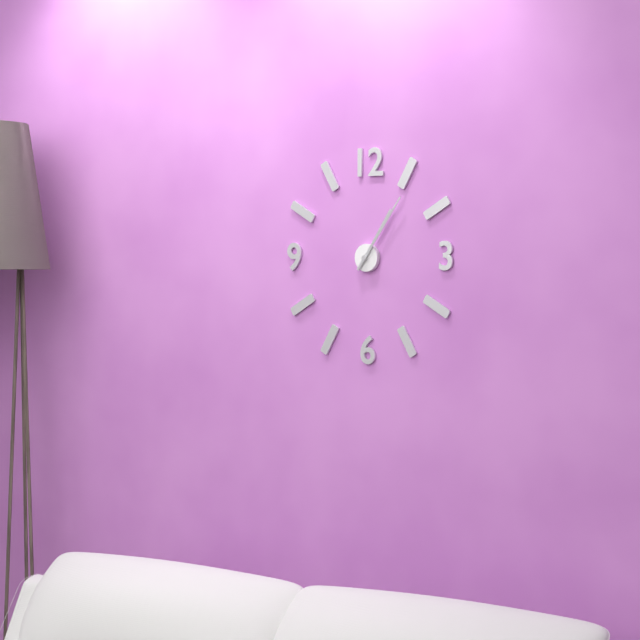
1:06
